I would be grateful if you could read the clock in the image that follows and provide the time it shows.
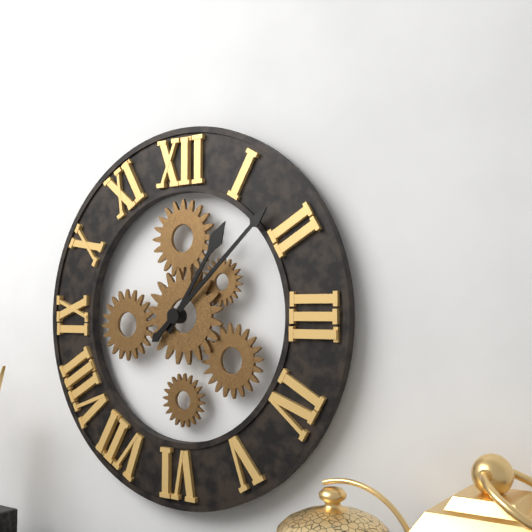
1:08
